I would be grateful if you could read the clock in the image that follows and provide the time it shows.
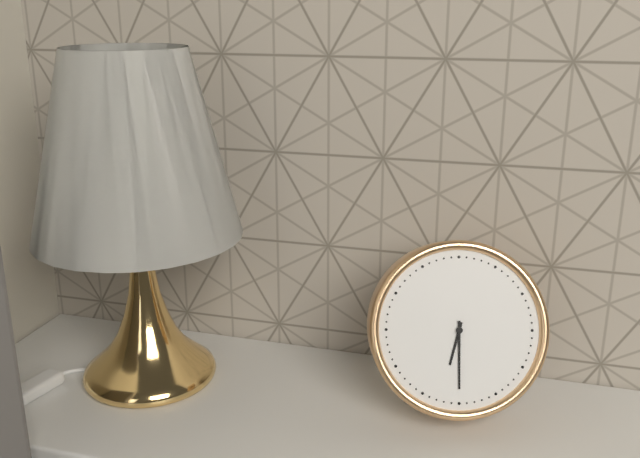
6:30
